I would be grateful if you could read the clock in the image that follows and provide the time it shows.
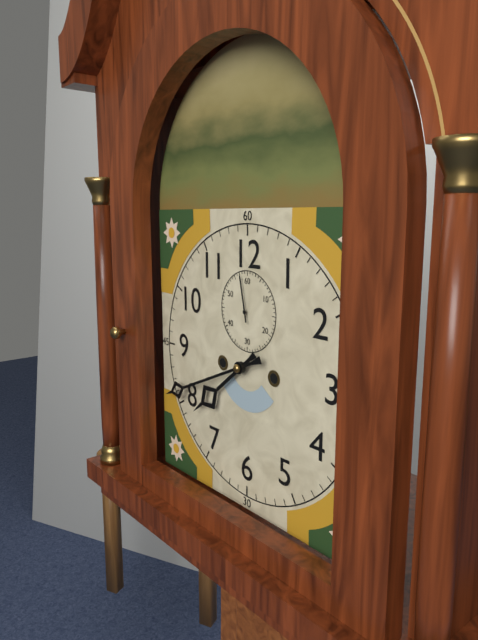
7:41
